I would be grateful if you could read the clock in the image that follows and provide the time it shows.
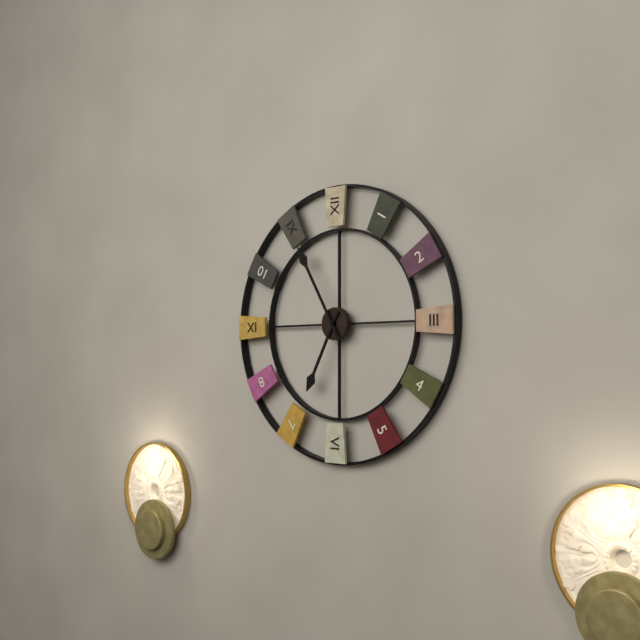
6:55
